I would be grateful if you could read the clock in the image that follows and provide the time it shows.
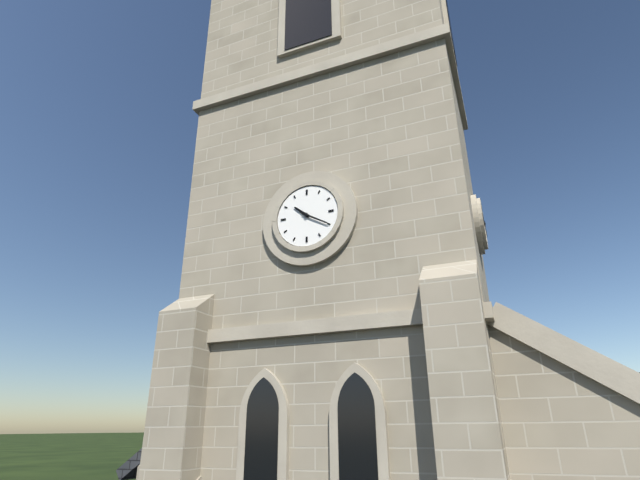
10:20
